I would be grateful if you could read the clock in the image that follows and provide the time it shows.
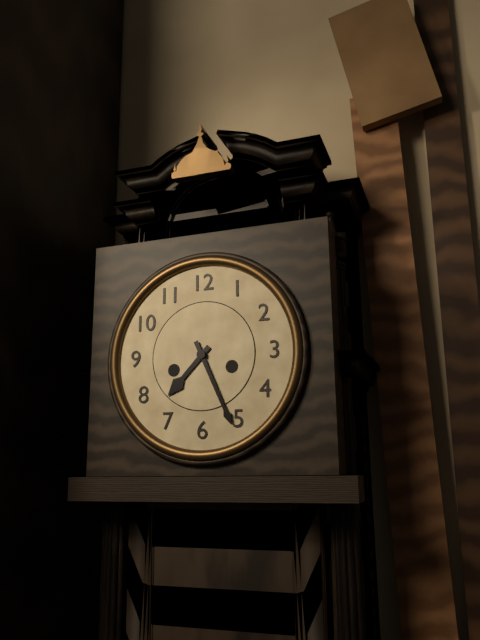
7:26
